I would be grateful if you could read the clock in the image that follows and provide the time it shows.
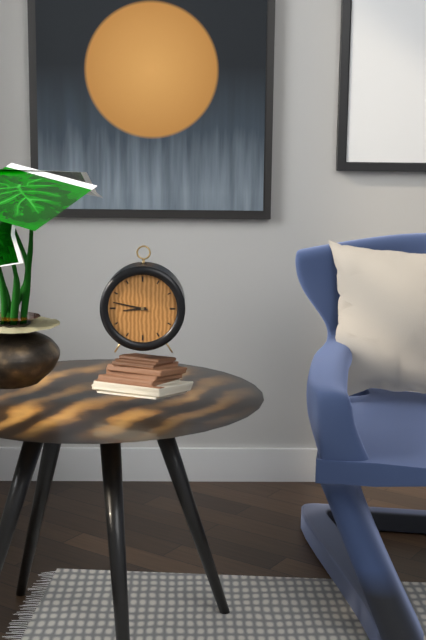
8:47
